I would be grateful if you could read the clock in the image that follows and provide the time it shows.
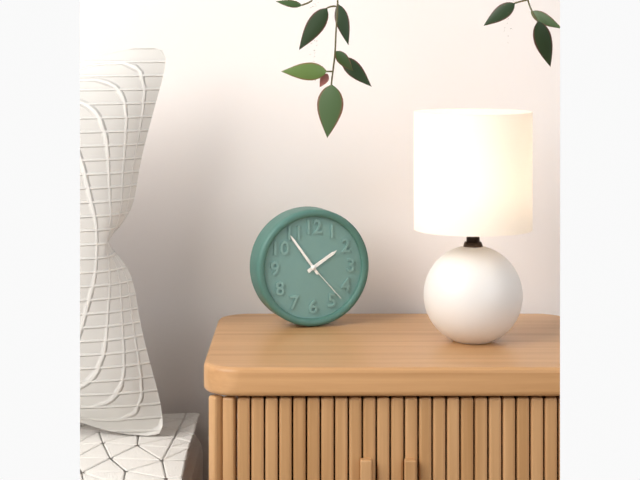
1:54:23
